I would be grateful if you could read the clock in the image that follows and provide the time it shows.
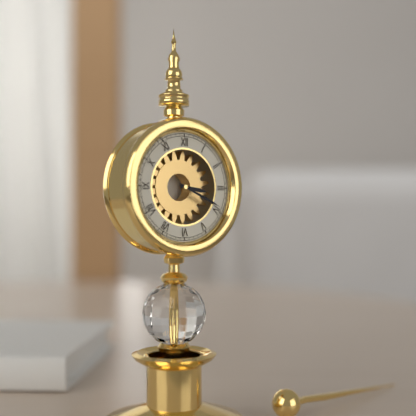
3:19
